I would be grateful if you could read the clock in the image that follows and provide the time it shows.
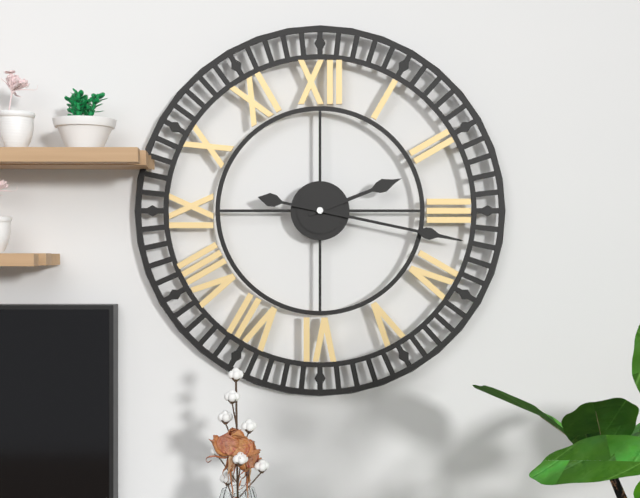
2:17
